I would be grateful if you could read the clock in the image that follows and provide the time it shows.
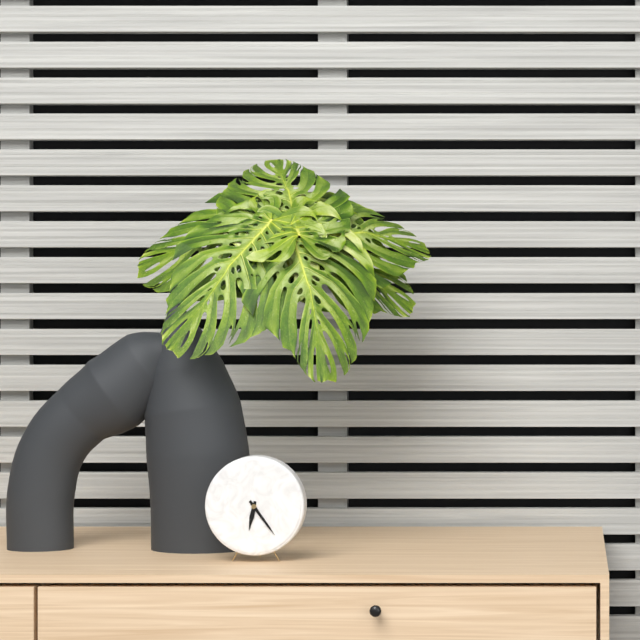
6:24
